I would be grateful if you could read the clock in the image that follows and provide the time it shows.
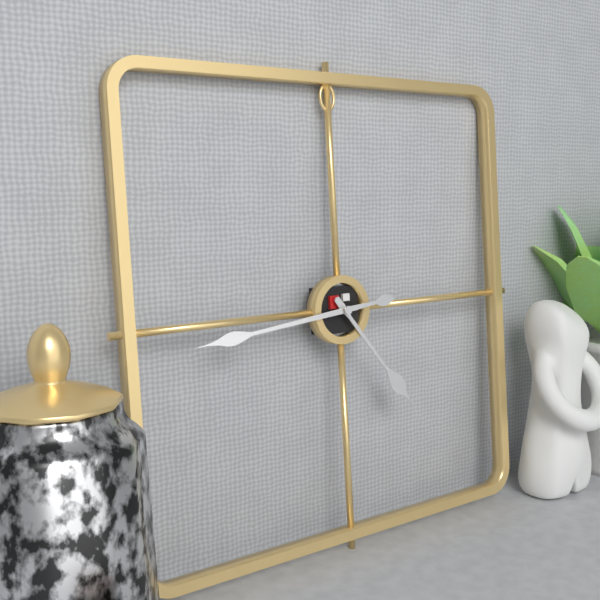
4:44
